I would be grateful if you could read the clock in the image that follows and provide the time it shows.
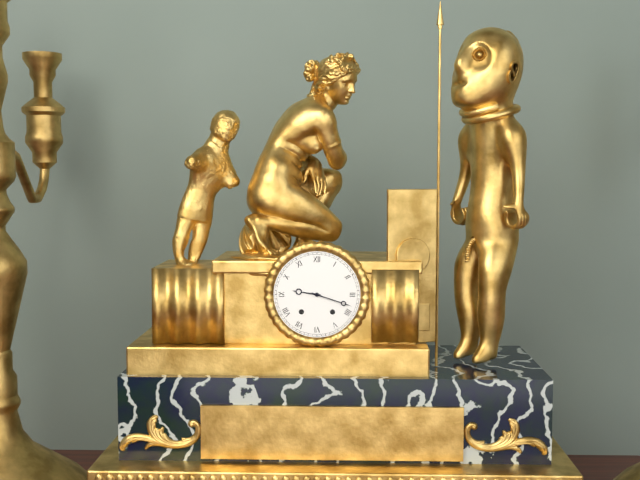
9:18
